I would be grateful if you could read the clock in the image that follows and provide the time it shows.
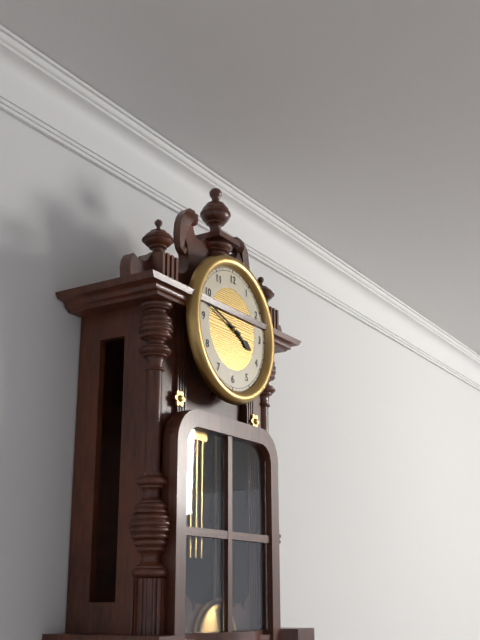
3:48
